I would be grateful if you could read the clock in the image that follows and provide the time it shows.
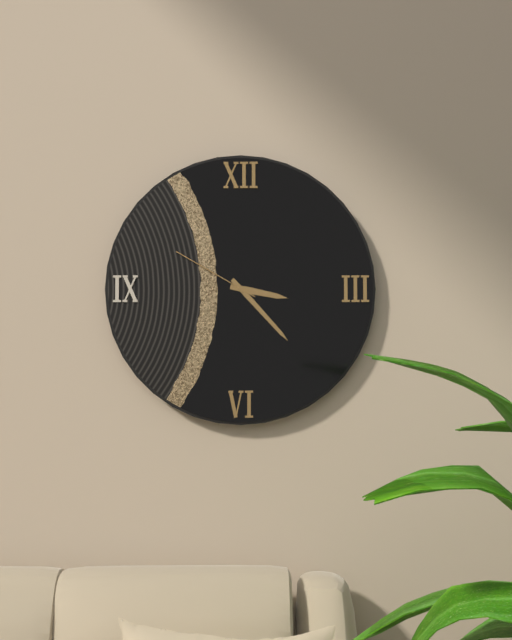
3:23:50
